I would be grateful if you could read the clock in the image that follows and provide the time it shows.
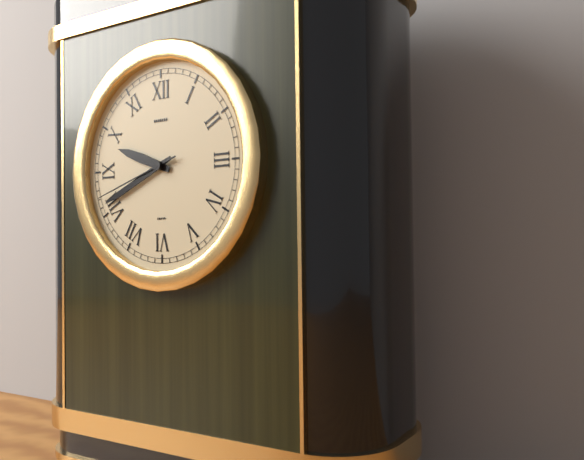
9:41:42
